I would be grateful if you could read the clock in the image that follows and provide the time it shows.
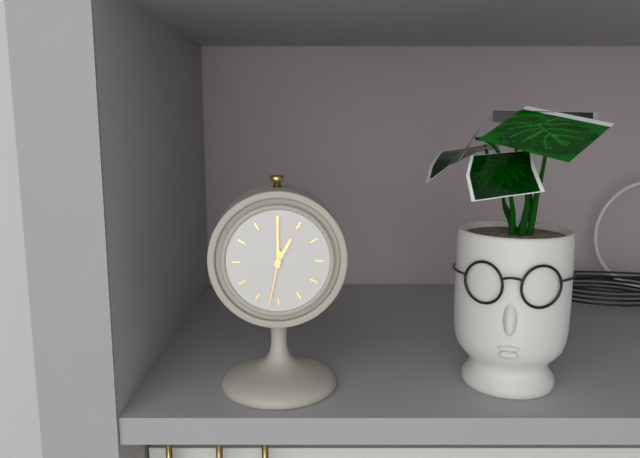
1:00:32
